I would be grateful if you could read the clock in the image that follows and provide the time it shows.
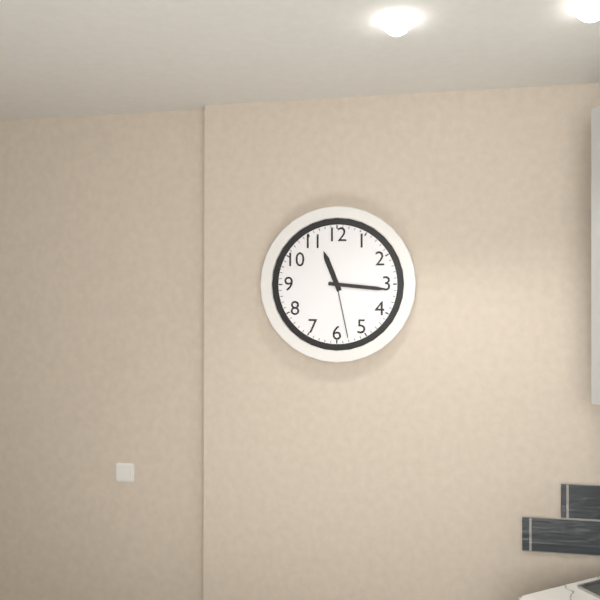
11:16:28
